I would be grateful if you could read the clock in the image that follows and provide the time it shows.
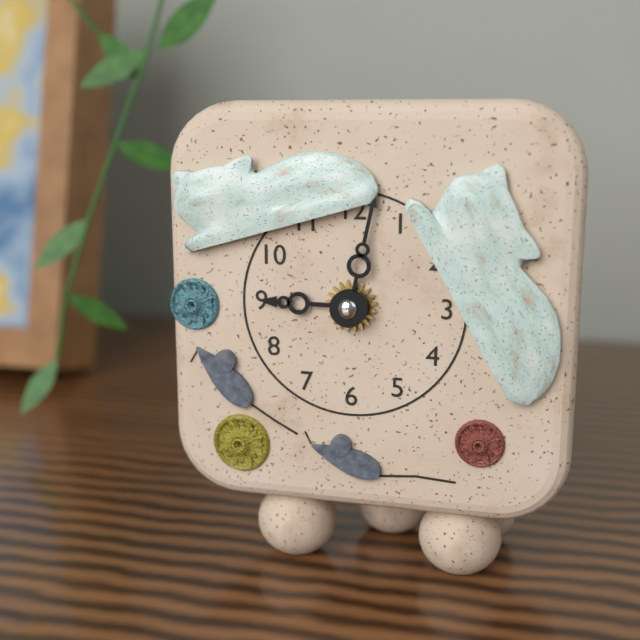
9:02
